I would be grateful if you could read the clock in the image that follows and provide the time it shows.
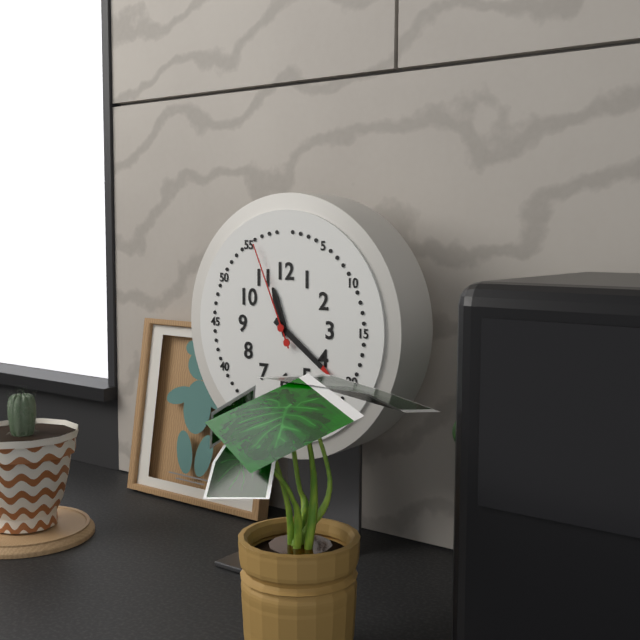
11:21:56
